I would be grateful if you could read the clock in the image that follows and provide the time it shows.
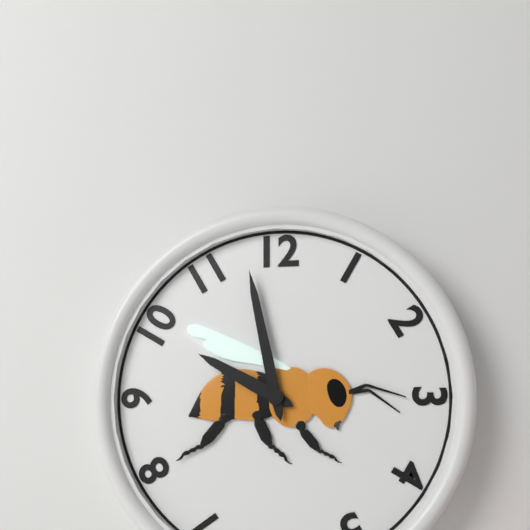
9:58
